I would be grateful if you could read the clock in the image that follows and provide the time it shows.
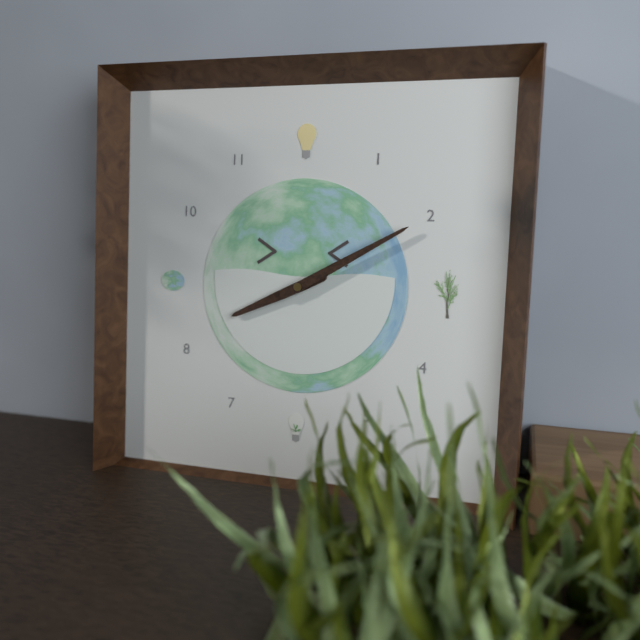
8:10
